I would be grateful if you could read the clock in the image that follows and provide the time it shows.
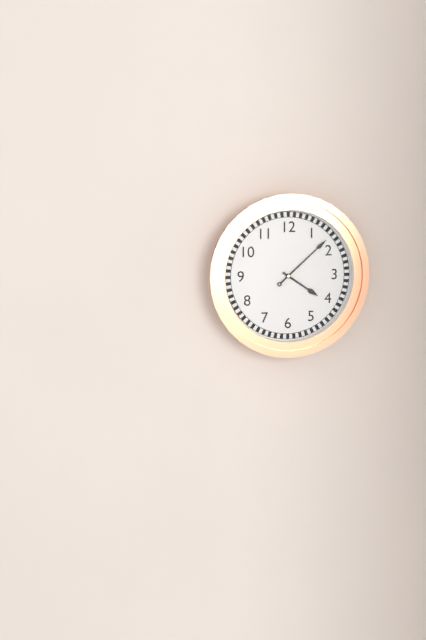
4:08
